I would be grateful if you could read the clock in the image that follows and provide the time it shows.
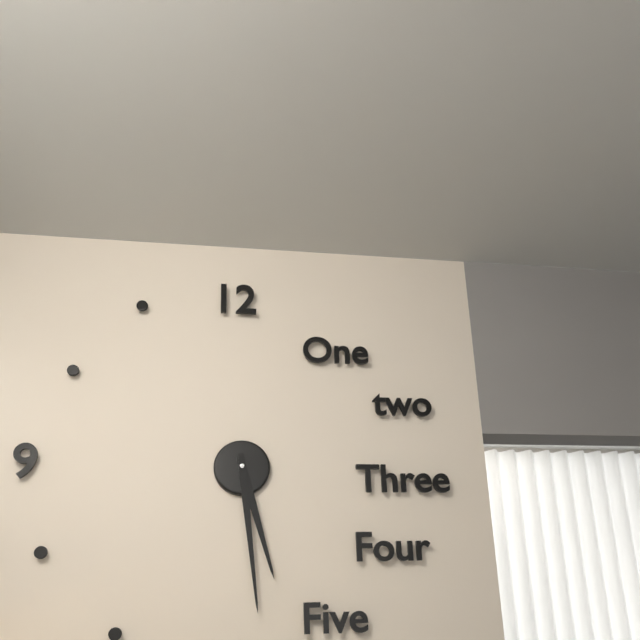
5:29
